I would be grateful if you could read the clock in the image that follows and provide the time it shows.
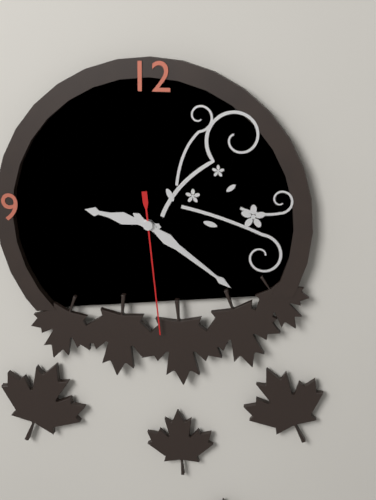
9:21:29
